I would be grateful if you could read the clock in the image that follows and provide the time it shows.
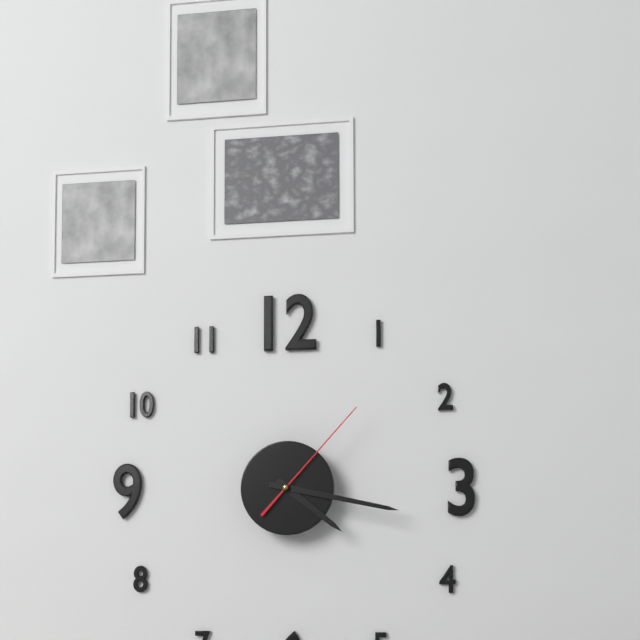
4:17:07
